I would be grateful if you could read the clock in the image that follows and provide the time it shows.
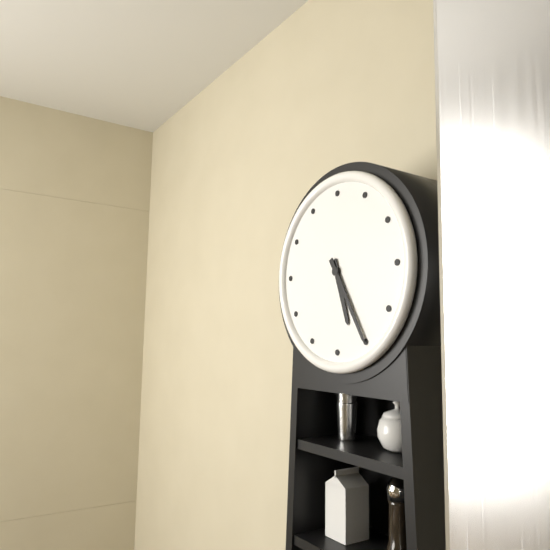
5:25
